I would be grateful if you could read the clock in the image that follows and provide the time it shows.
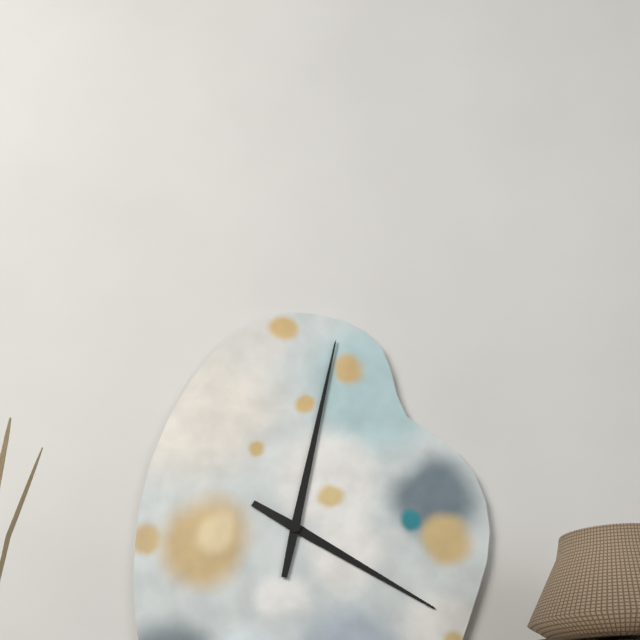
4:02
